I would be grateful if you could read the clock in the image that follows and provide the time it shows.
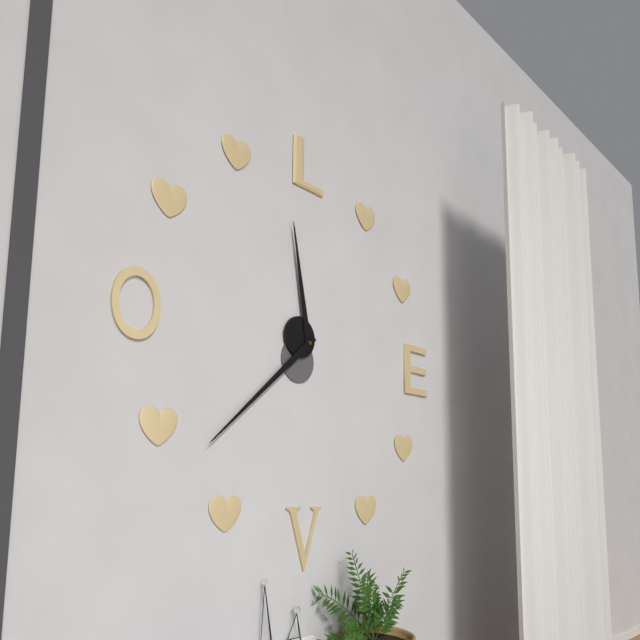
11:38
